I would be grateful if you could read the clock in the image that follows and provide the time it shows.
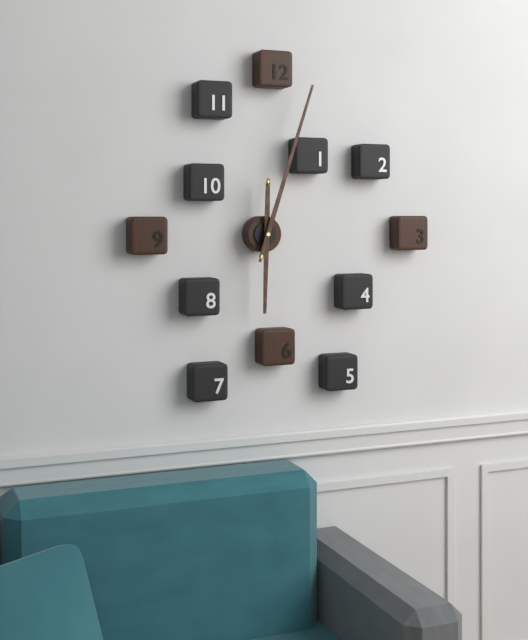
6:03
